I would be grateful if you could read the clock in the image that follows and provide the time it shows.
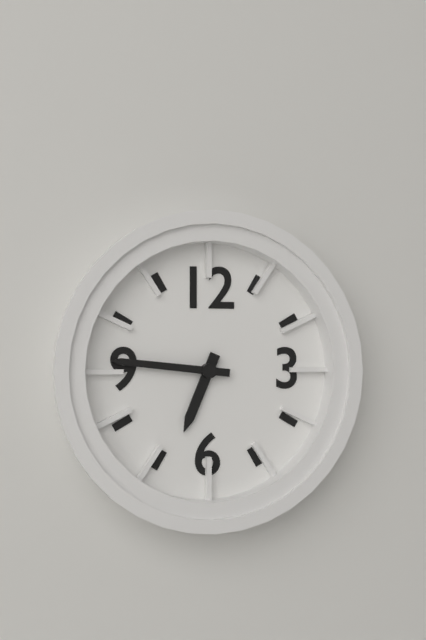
6:46
